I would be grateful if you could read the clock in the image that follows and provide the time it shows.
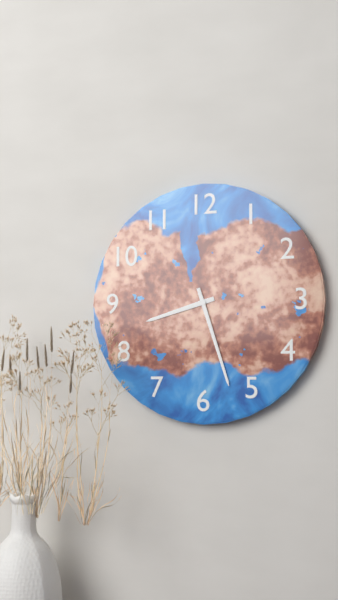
8:27
